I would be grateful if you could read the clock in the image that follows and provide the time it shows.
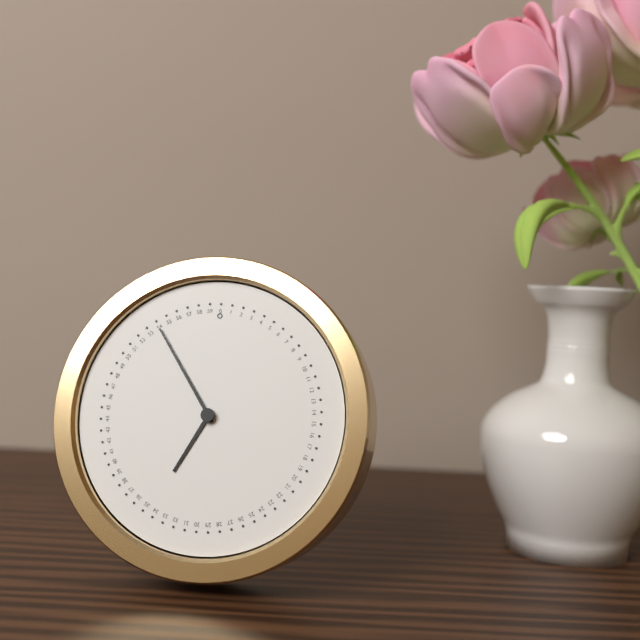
6:54
